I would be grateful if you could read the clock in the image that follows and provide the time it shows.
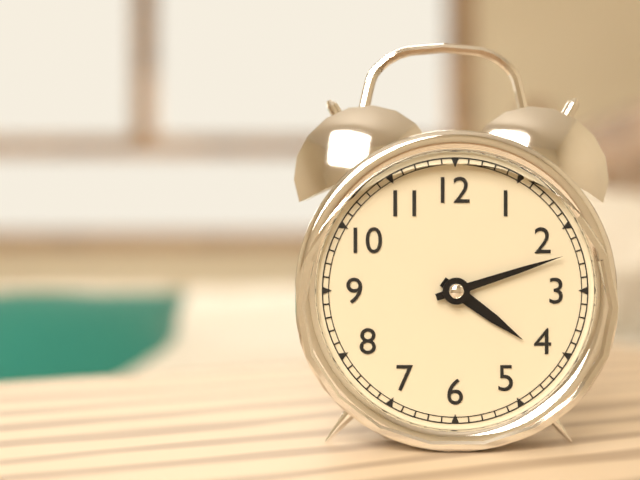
4:12
